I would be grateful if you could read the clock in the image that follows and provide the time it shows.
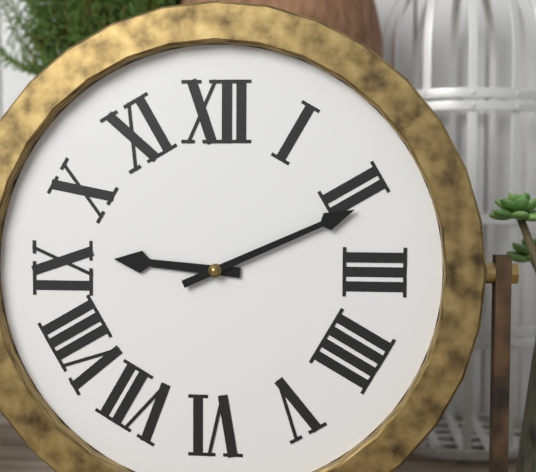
9:11
